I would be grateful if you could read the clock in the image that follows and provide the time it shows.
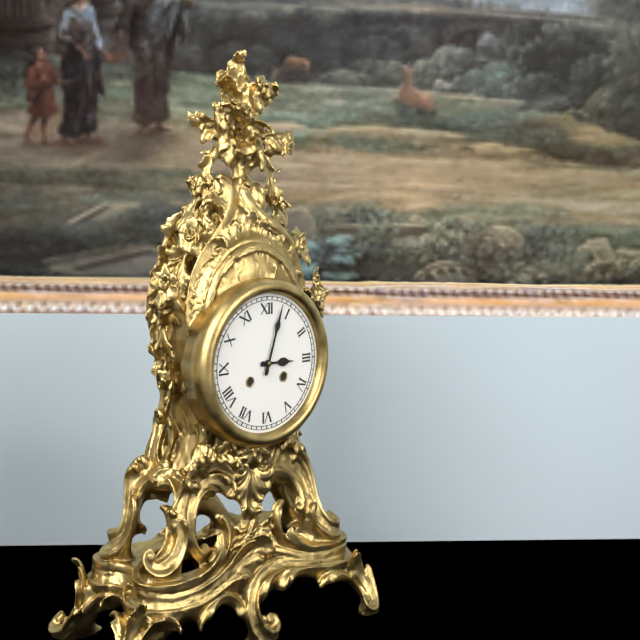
3:03
